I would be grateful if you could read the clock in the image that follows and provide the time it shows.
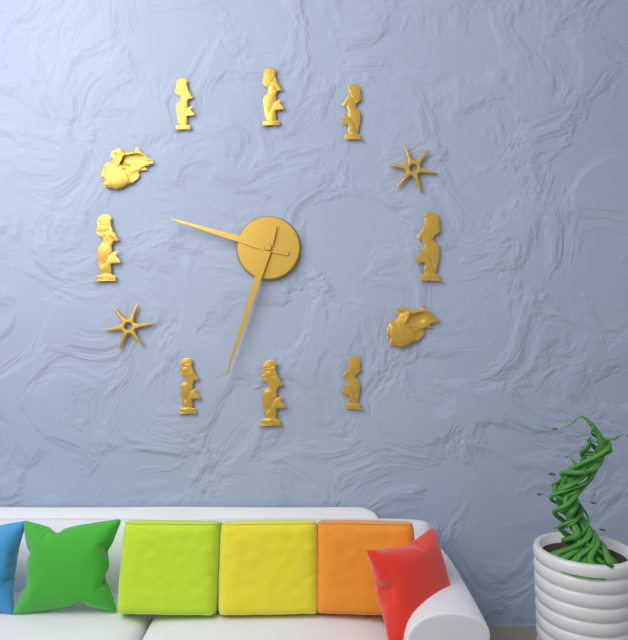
9:33
